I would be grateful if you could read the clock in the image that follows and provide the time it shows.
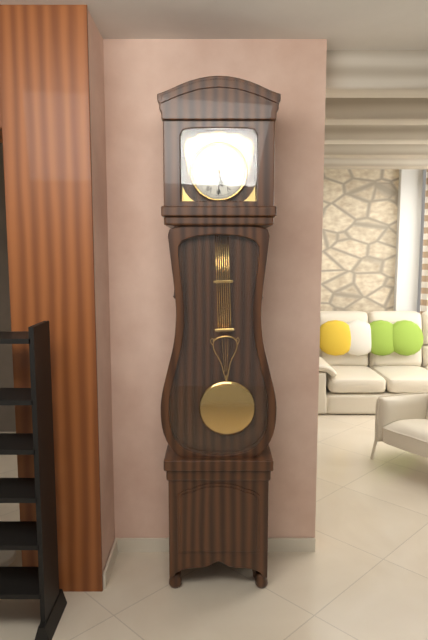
5:30
